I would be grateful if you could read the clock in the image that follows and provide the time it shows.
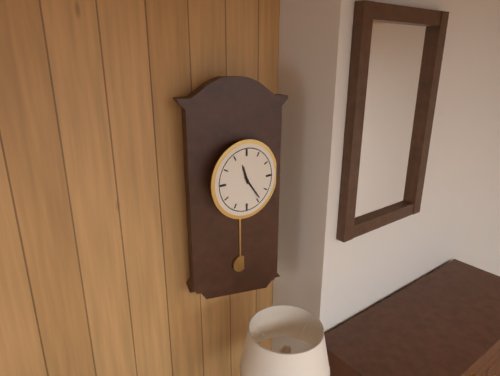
11:24
